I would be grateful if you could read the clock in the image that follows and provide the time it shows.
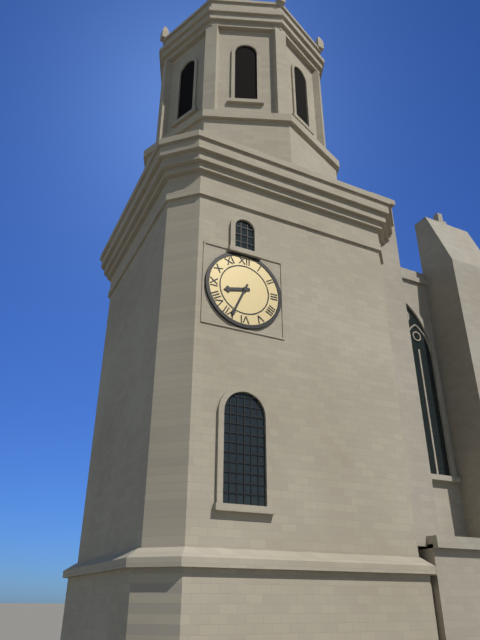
8:34
